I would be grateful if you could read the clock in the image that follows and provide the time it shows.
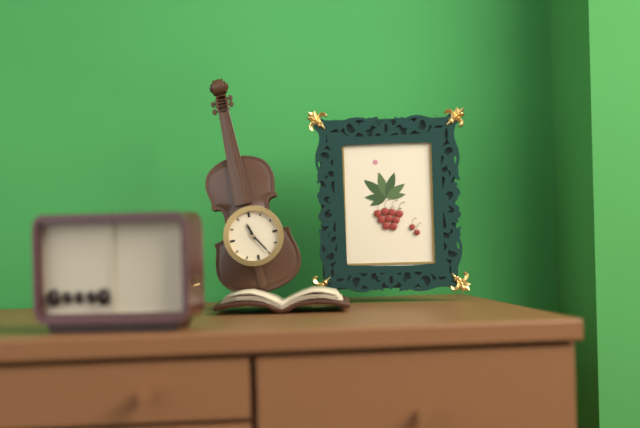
11:25
